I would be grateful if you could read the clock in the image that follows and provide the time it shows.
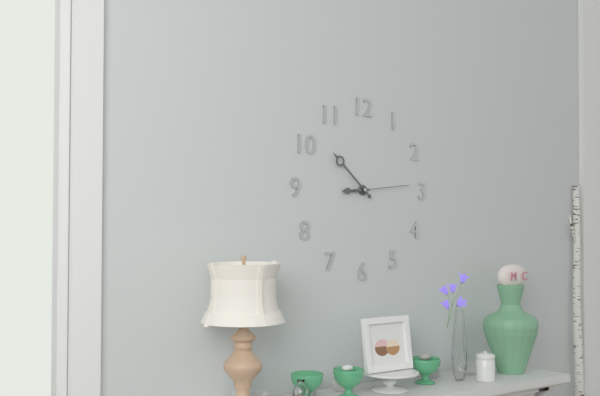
8:52:14
